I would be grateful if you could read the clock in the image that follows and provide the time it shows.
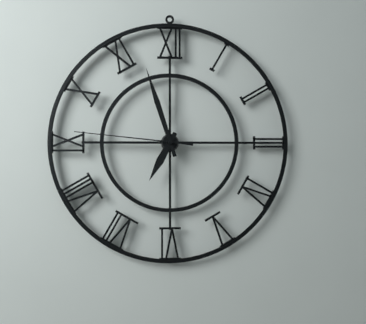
6:57:46
